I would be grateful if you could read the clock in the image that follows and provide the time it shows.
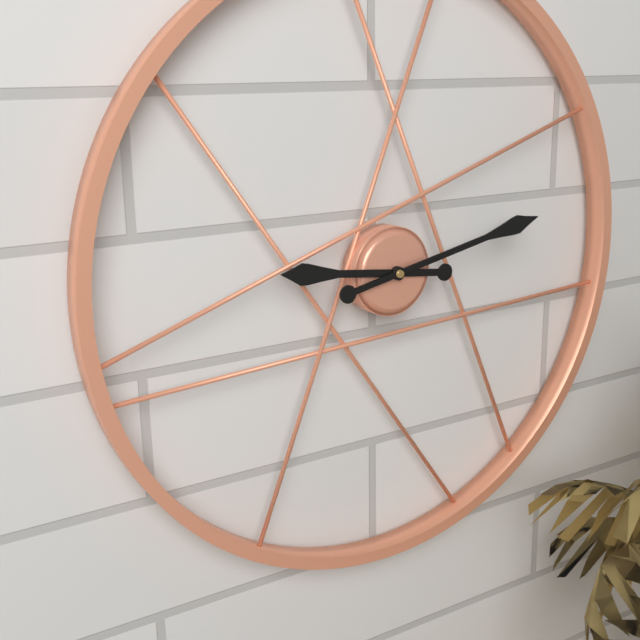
9:13
